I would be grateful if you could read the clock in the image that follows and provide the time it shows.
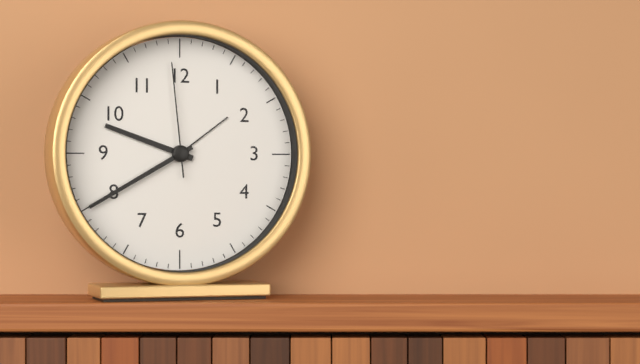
9:40:59
